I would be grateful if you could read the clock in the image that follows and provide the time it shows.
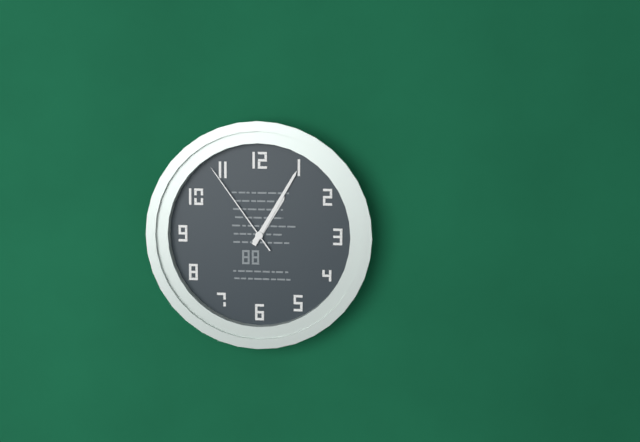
1:05:54
